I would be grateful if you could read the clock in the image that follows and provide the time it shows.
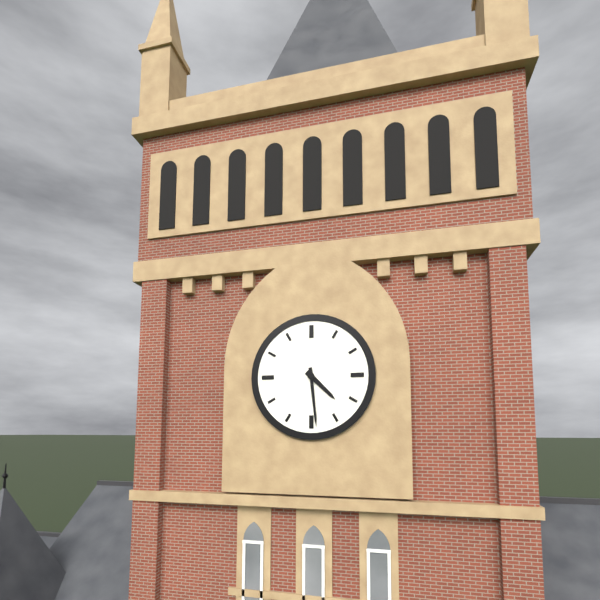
4:29
